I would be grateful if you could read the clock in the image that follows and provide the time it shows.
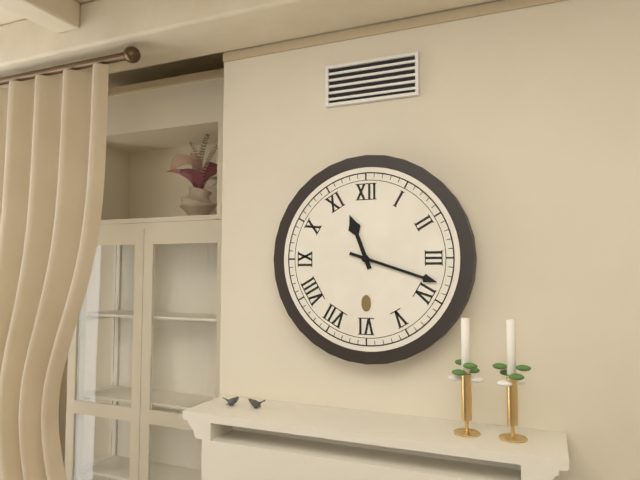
11:18
